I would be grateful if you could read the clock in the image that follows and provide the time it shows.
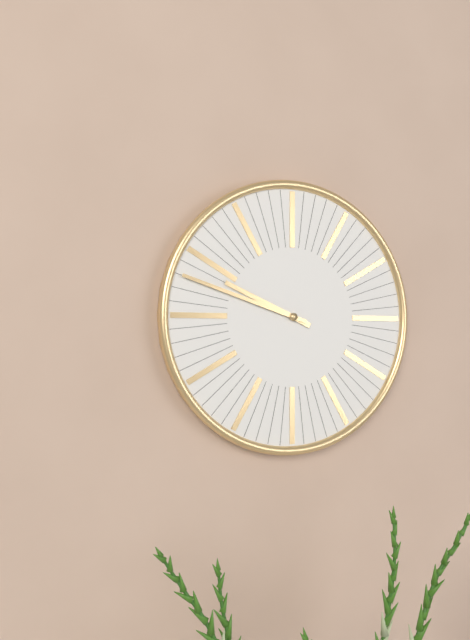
9:48
